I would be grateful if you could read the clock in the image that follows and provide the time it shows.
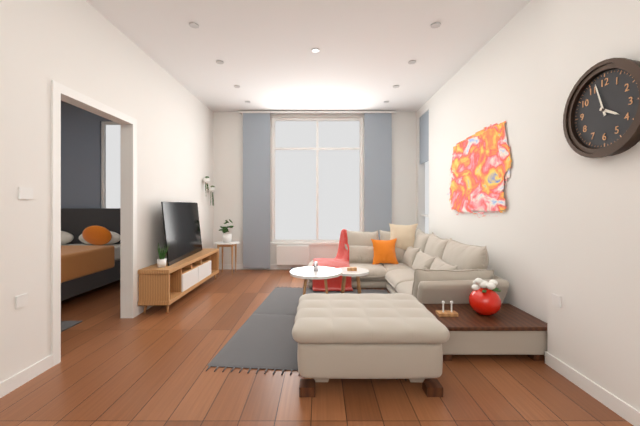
3:57
